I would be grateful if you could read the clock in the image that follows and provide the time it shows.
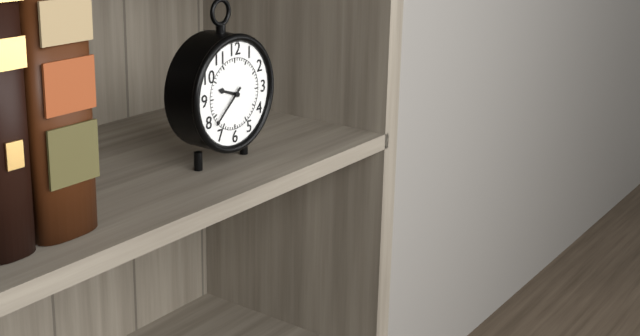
9:38
